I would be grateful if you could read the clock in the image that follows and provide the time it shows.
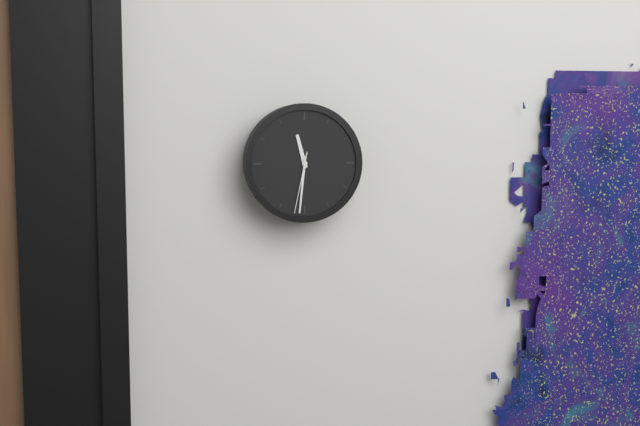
11:31:32
